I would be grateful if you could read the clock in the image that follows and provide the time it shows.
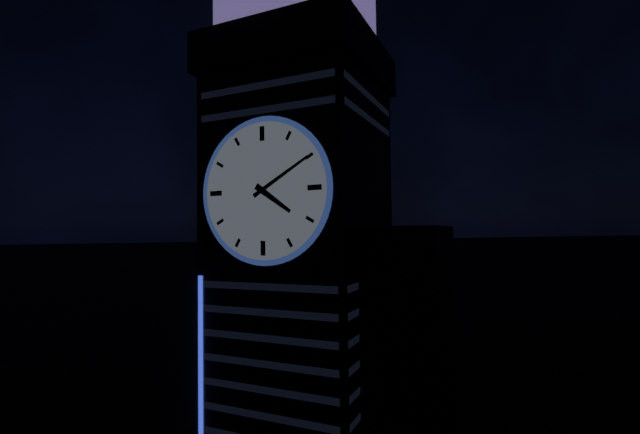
4:10
